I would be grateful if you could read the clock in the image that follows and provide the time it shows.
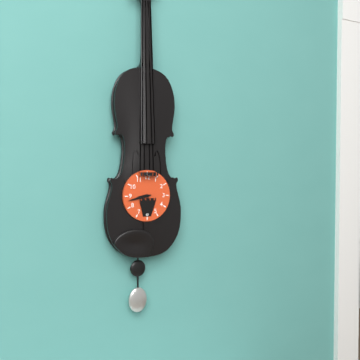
8:43
